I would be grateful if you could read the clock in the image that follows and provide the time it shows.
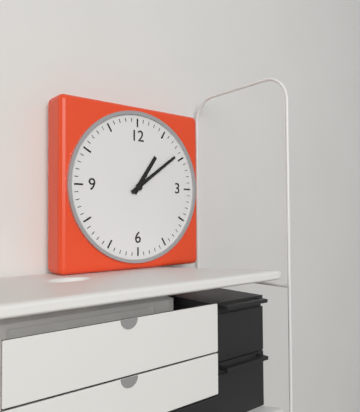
1:09
